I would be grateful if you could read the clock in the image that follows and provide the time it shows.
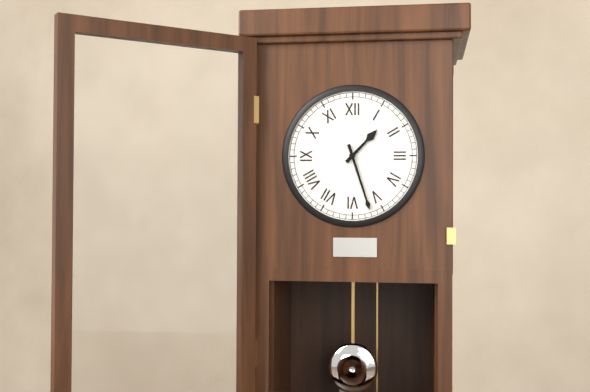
1:27
